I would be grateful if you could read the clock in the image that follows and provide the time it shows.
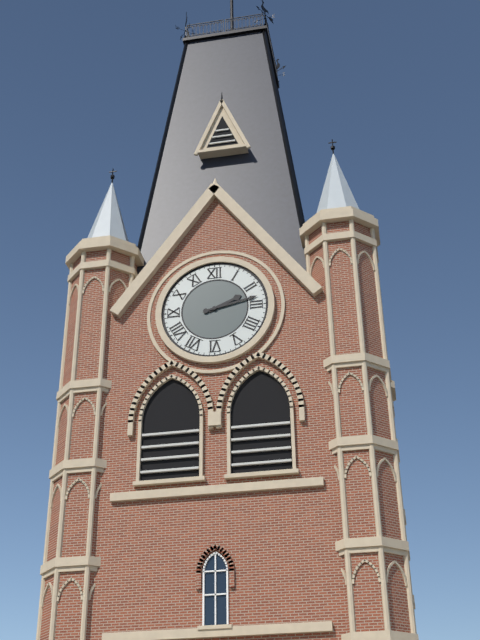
2:13
